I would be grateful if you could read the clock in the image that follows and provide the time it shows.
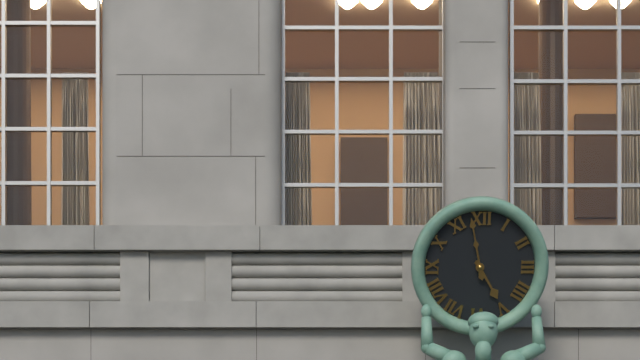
4:58
